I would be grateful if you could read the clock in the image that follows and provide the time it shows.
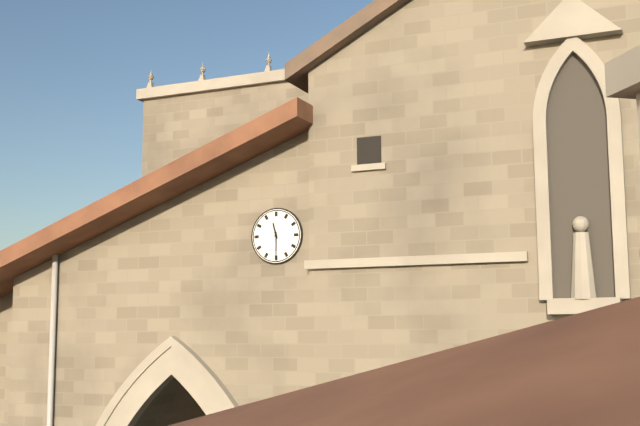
11:30
